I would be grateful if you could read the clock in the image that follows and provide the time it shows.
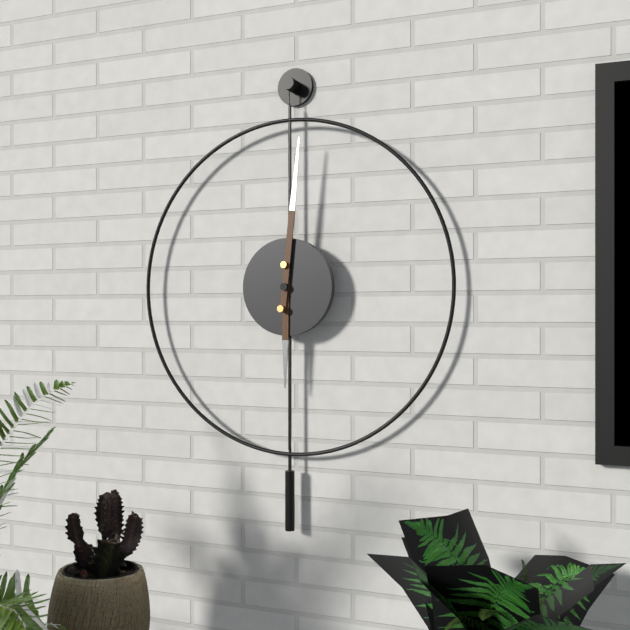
6:01
